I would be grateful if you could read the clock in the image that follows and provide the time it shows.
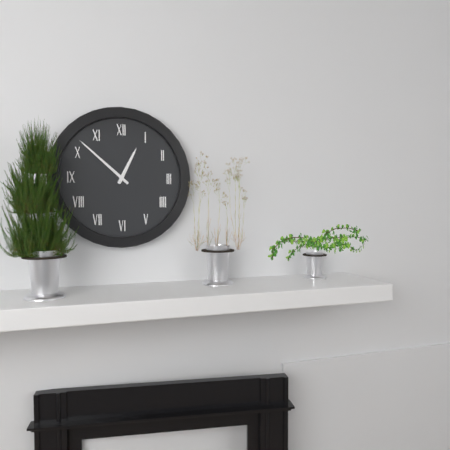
12:52
